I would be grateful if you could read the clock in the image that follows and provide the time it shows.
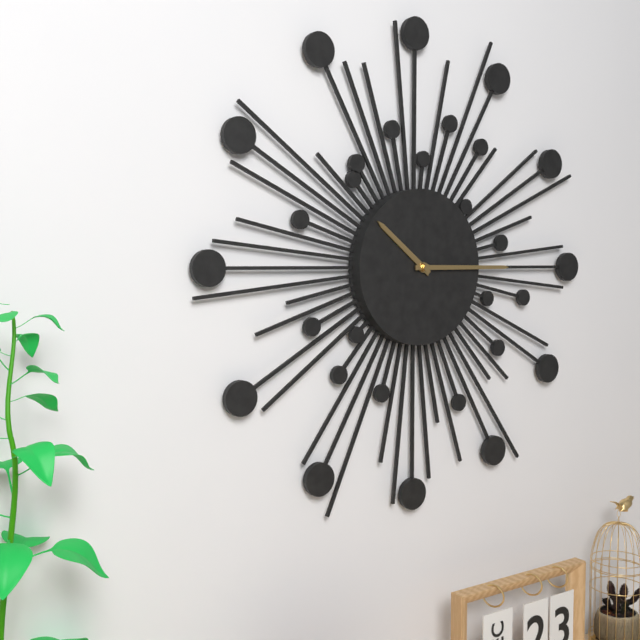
10:15
